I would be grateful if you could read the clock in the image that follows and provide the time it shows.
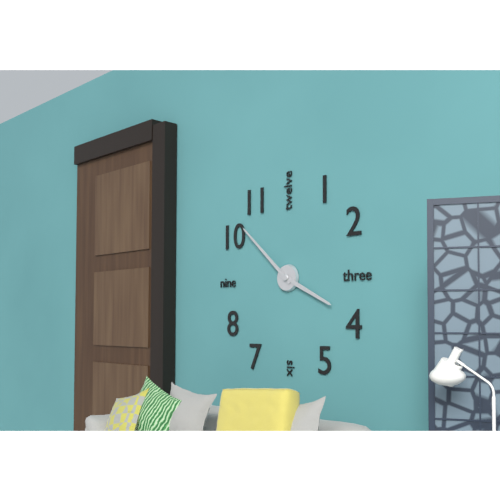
3:52
